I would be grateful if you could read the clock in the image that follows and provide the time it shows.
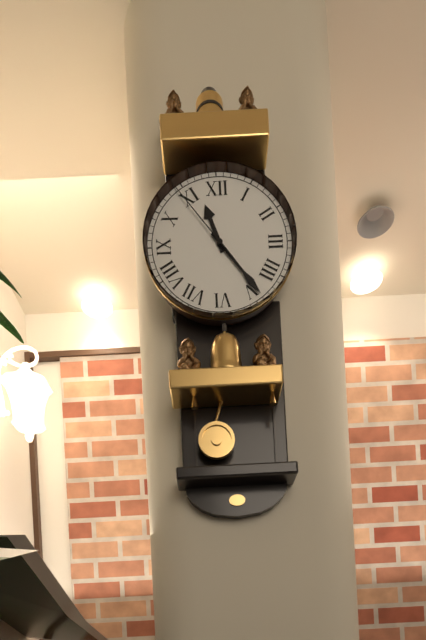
11:24:54
